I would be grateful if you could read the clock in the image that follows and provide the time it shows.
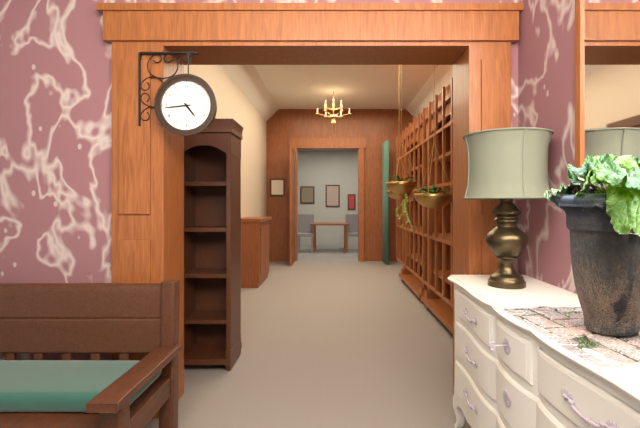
4:44
